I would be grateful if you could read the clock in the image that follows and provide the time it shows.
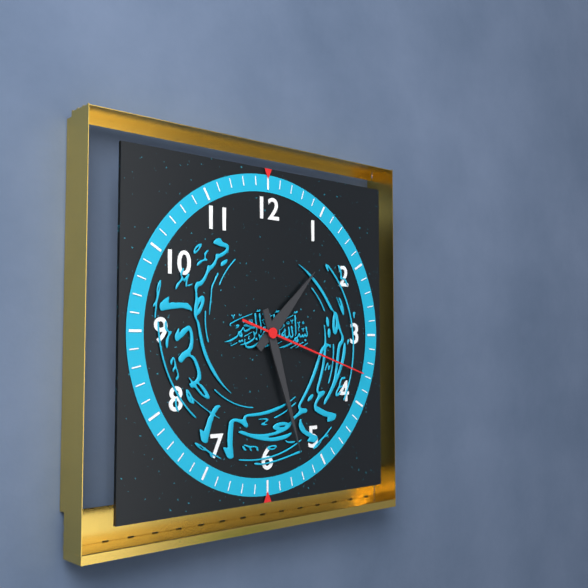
1:27:18
